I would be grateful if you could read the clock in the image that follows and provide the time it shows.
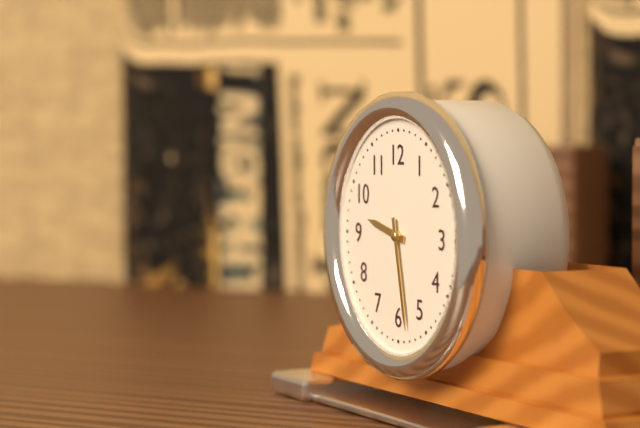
9:28
